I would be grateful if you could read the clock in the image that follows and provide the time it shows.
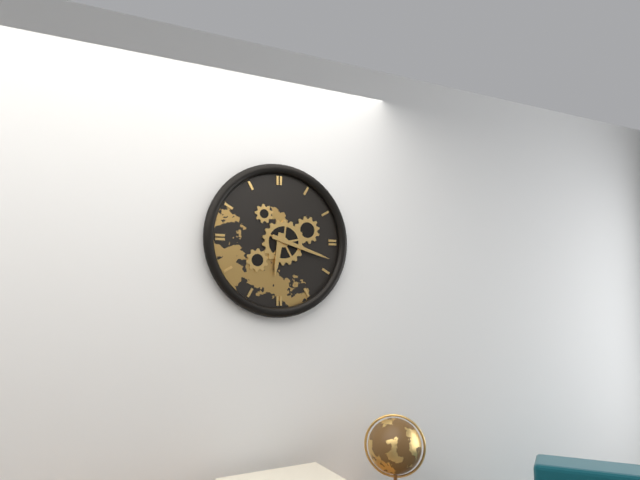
6:18
